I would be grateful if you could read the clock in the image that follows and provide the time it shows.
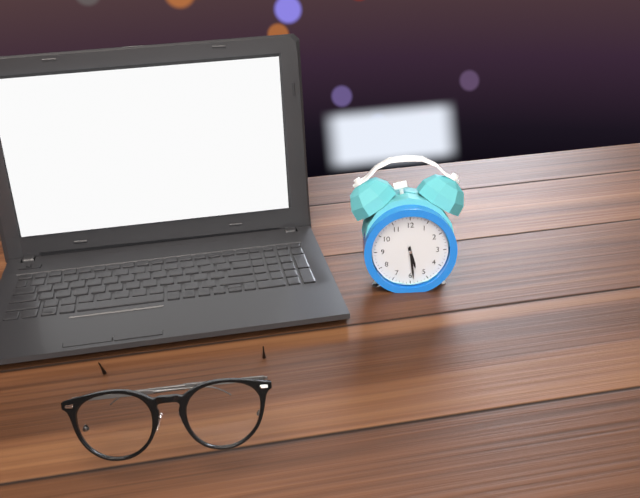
5:29
